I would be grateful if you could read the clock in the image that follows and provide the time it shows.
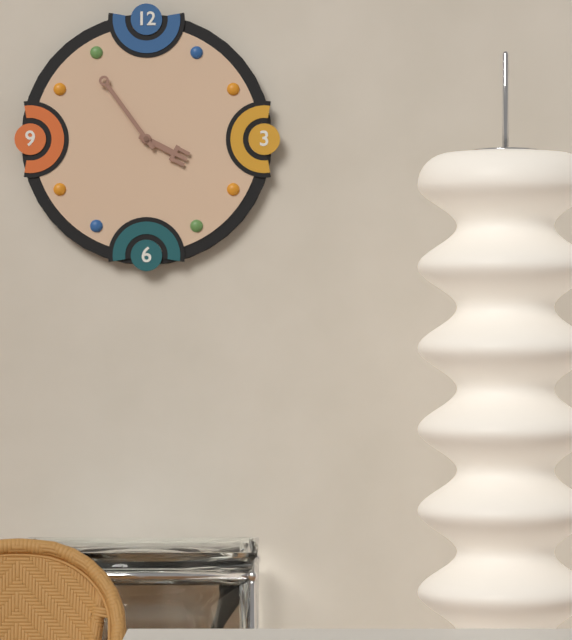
3:54
